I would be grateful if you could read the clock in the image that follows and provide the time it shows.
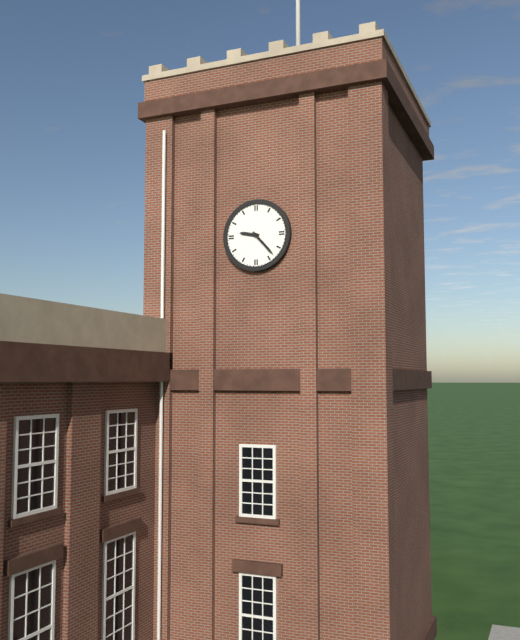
9:23
